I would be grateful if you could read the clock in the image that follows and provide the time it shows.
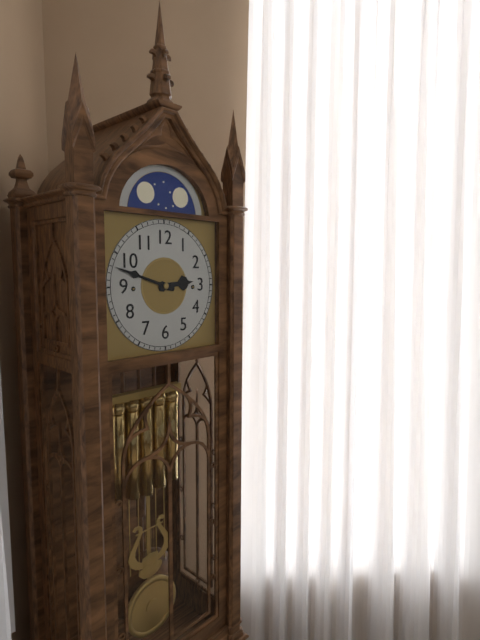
2:48
